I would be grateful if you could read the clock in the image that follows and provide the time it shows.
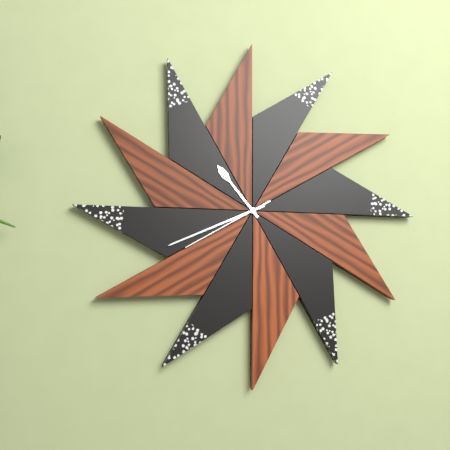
10:41:40
